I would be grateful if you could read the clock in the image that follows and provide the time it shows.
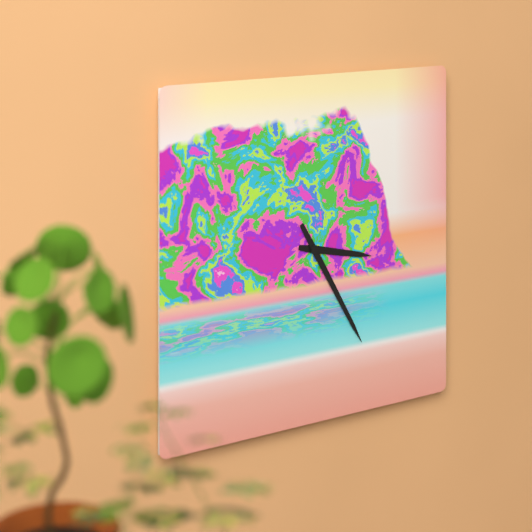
3:25
